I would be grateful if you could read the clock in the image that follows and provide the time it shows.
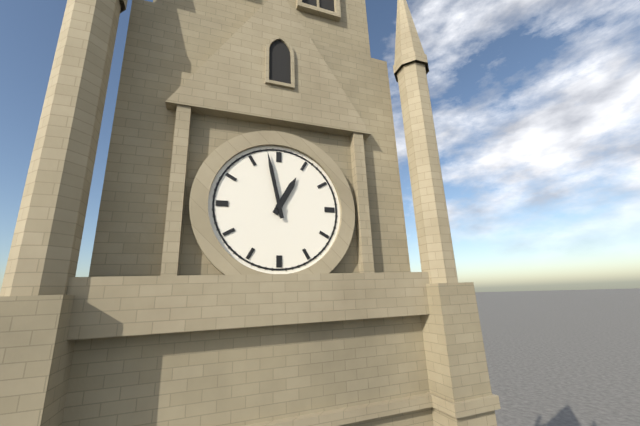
12:58
